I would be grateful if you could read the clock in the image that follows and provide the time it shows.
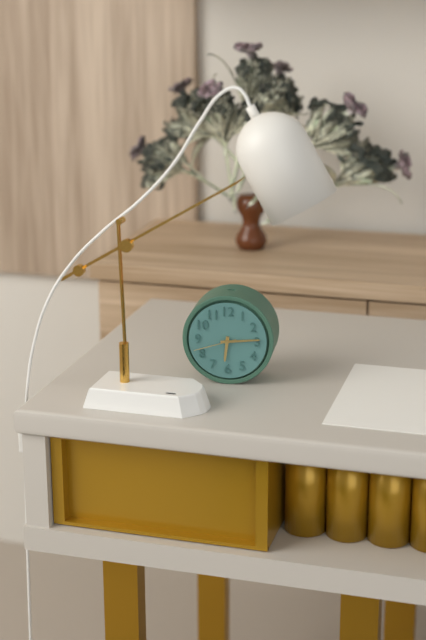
6:14
